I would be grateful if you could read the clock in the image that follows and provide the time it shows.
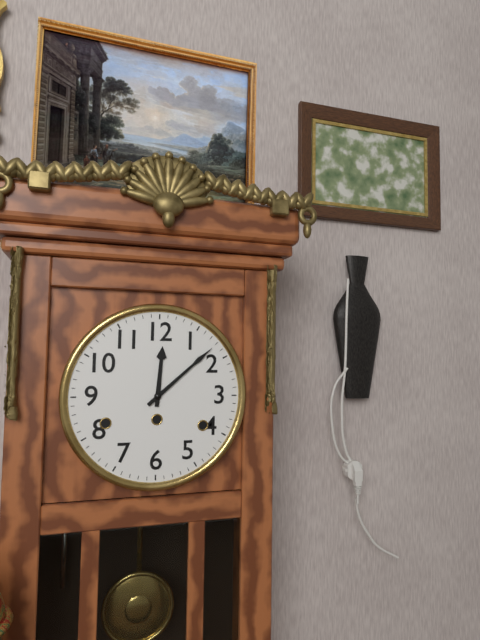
12:08
